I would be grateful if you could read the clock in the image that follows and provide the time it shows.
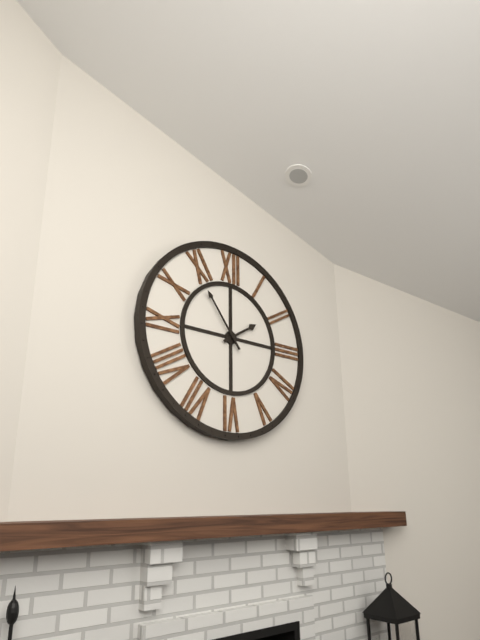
1:54
